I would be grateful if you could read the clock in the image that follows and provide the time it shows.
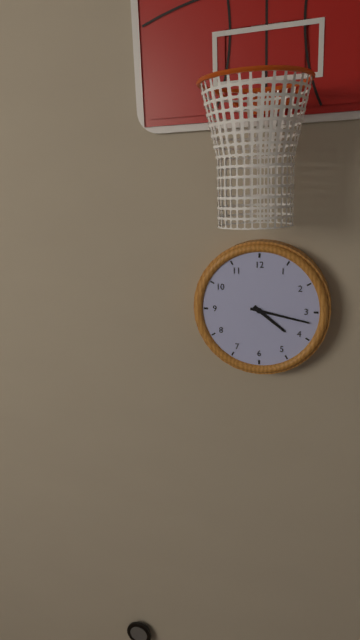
4:17
